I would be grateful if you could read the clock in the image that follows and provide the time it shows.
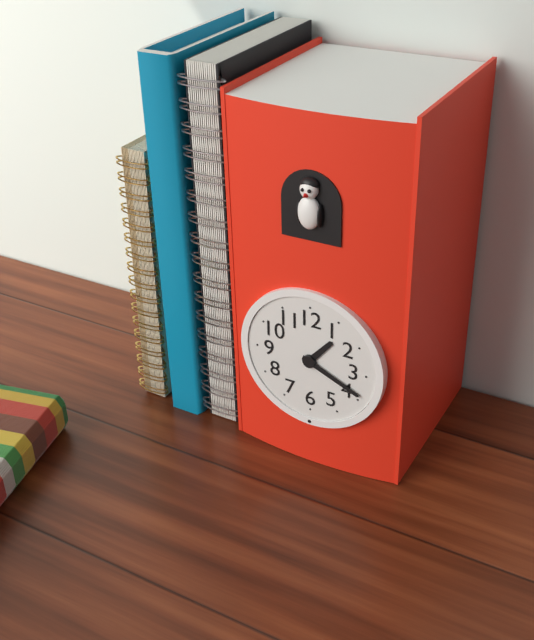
1:19
